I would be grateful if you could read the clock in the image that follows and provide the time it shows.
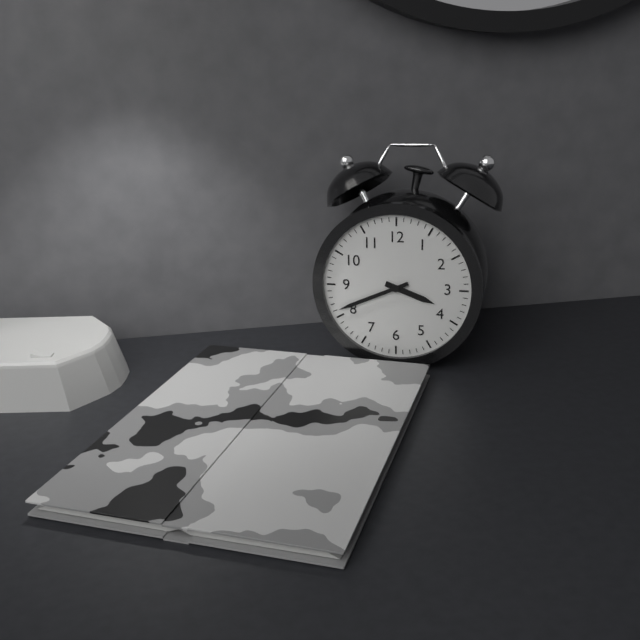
3:41
